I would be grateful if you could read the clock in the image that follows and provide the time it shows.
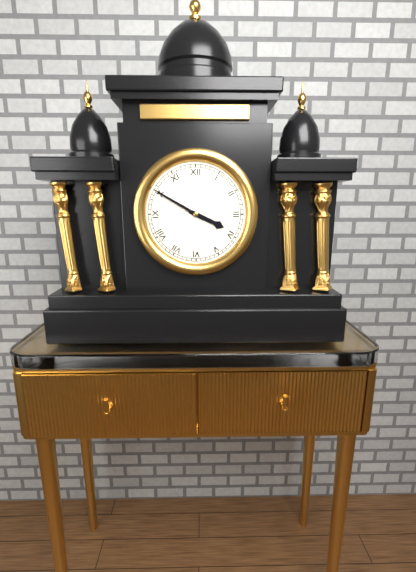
3:50
